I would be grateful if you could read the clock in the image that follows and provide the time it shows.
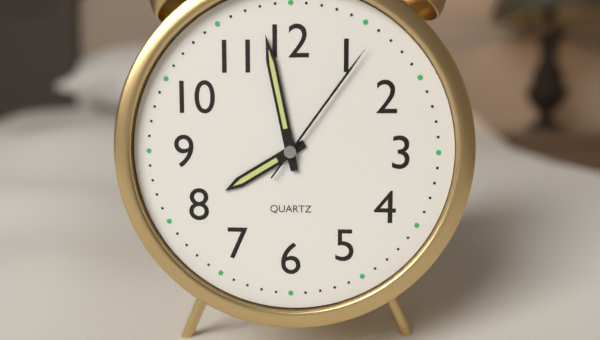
7:58:06
